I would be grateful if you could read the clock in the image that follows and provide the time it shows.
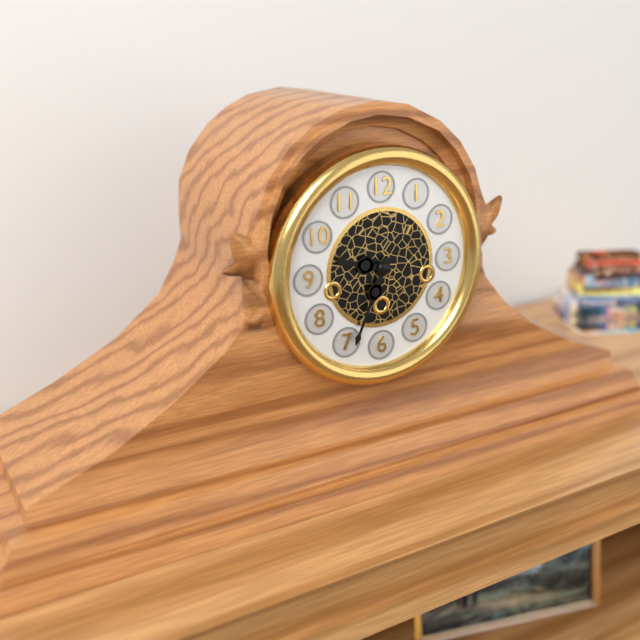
9:34
